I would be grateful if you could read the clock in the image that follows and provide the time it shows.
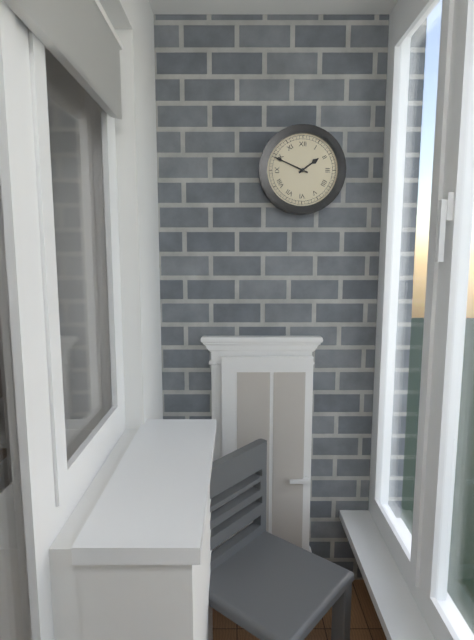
1:49
